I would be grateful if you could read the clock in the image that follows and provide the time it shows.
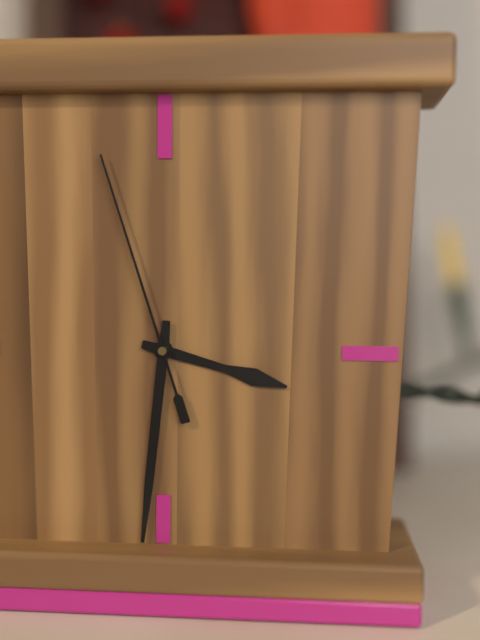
3:31:57
